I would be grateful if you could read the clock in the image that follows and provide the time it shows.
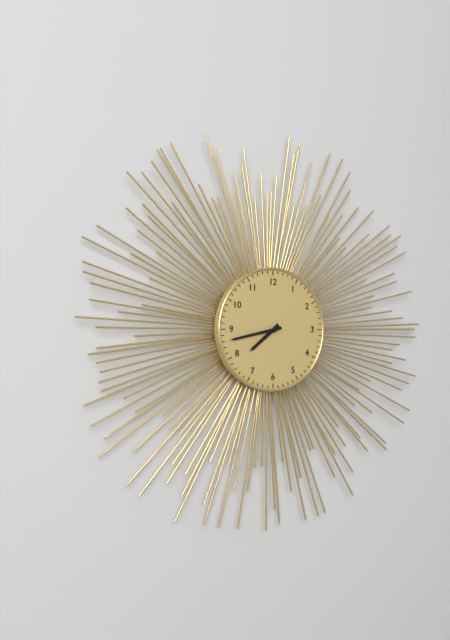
7:43
